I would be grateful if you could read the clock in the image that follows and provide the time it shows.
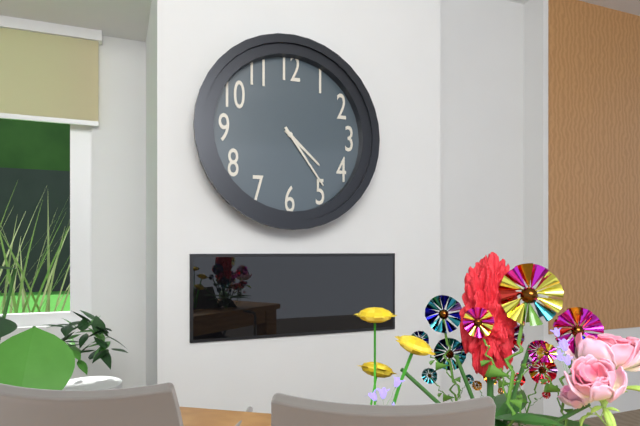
4:24
